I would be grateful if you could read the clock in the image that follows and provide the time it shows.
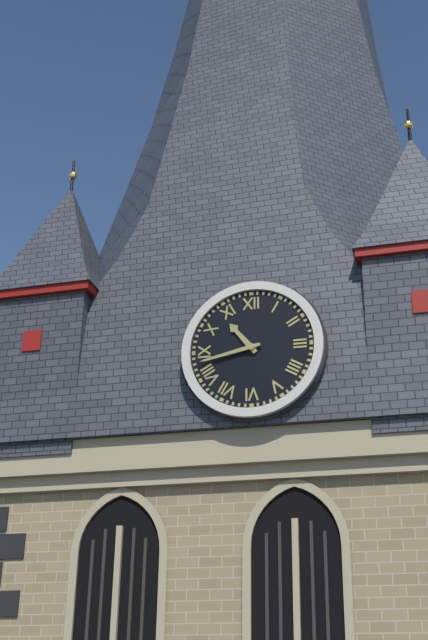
10:43
